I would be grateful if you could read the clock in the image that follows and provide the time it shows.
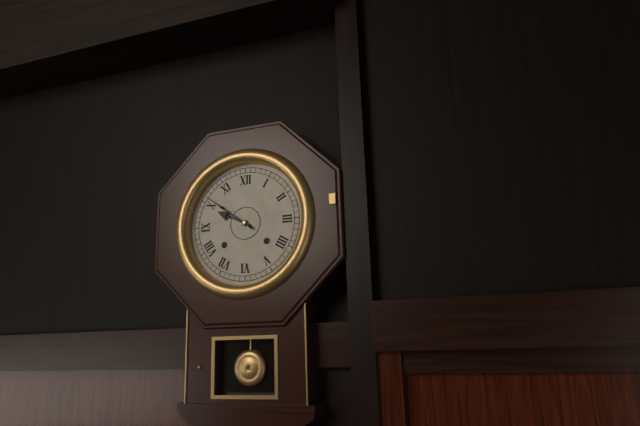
9:51
